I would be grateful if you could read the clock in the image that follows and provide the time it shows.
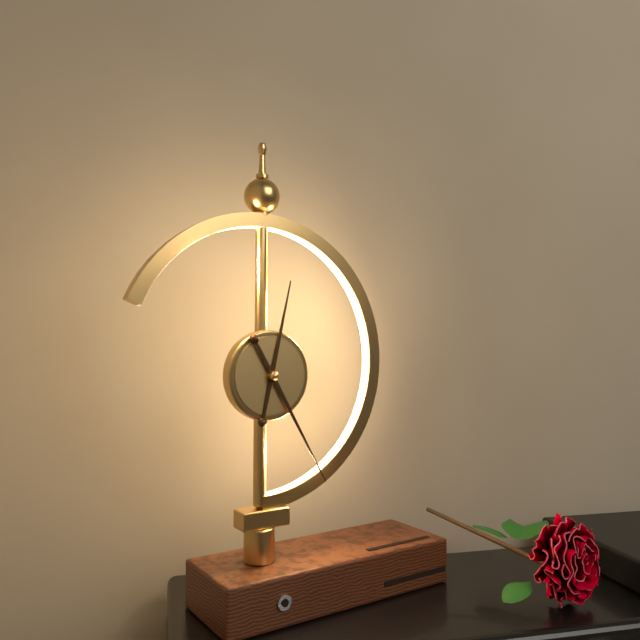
12:25
